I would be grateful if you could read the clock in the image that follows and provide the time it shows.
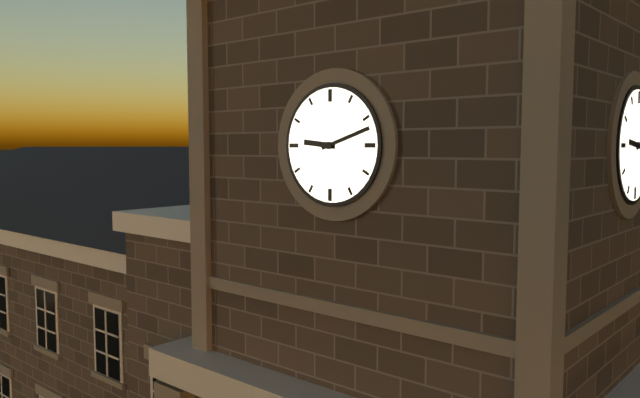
9:12
